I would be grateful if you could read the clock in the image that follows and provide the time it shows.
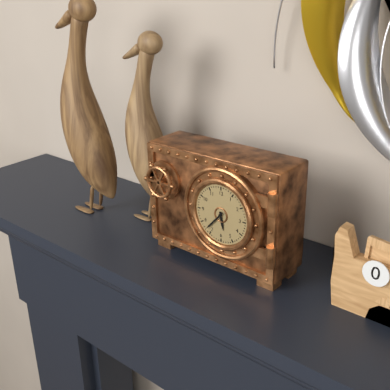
5:37
